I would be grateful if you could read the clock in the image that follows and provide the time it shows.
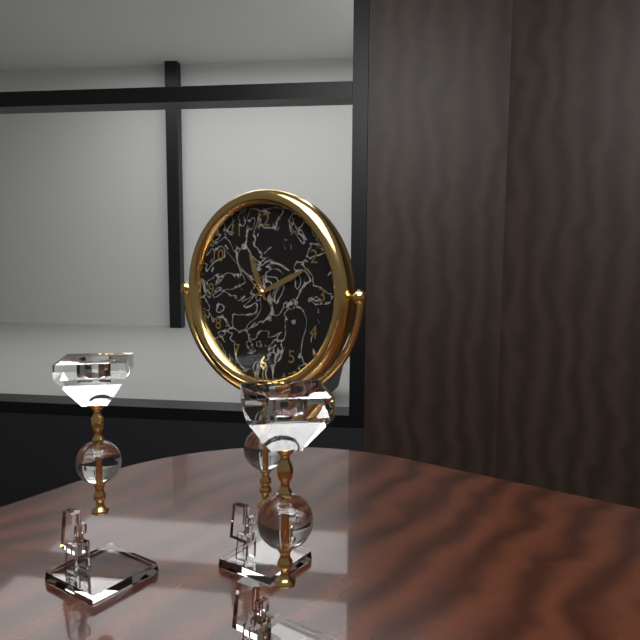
11:11:52
